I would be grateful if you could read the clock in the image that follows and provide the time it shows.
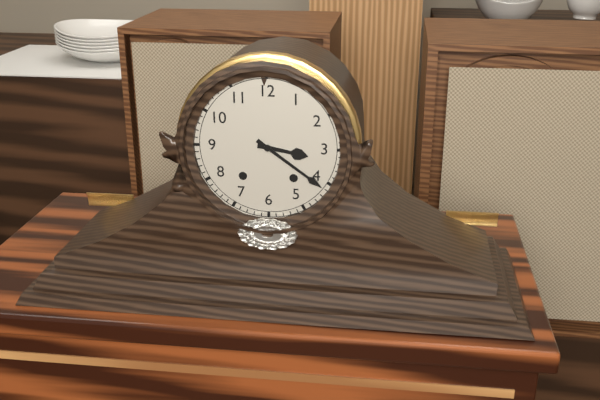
3:21
